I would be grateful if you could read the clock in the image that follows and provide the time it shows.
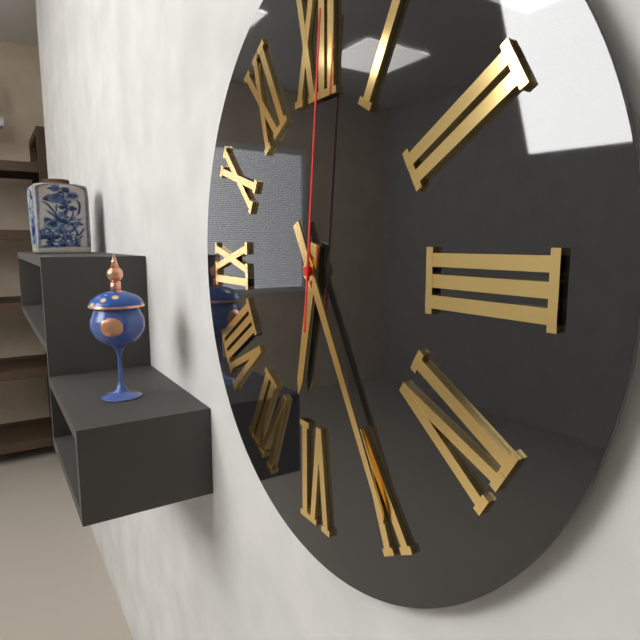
6:25:01
